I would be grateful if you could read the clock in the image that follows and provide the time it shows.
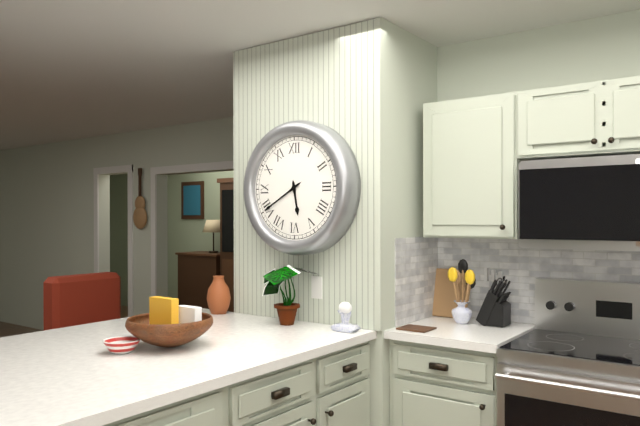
5:40
